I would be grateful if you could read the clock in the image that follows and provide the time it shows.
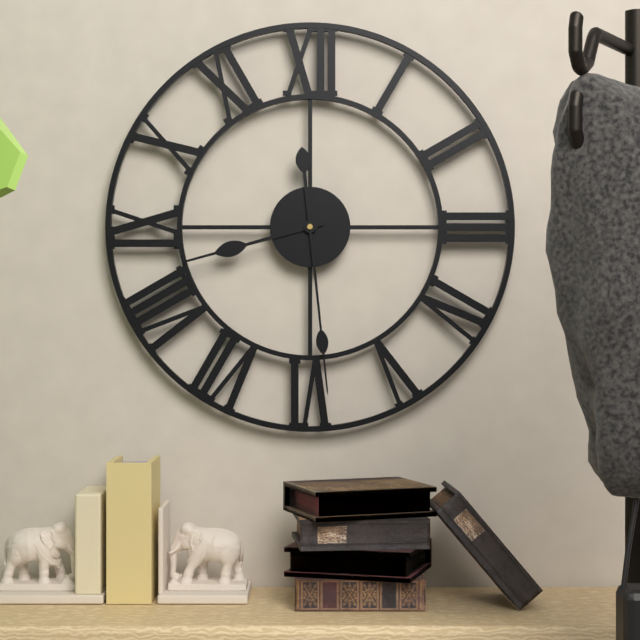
8:29
